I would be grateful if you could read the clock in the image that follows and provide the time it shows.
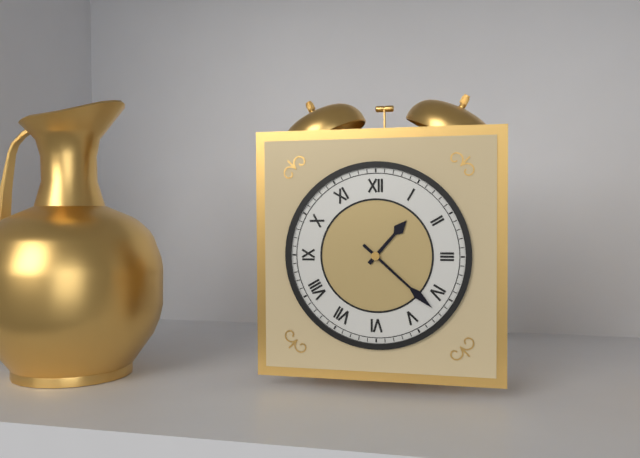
1:22
